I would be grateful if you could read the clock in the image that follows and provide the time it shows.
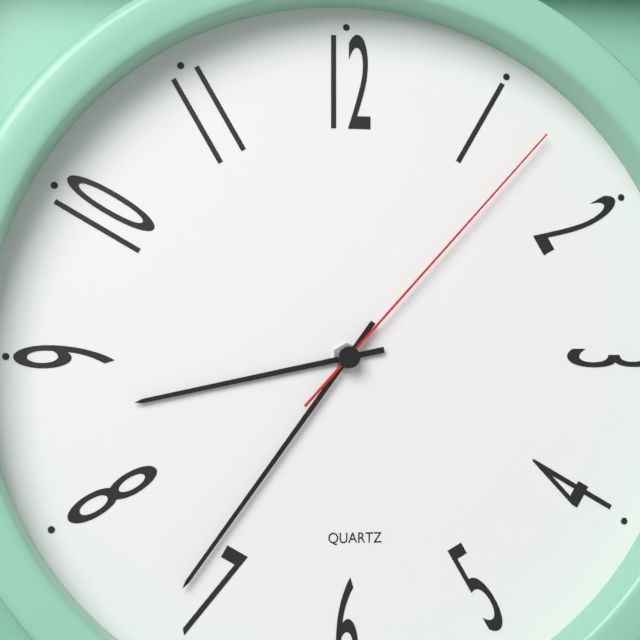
8:36:07
